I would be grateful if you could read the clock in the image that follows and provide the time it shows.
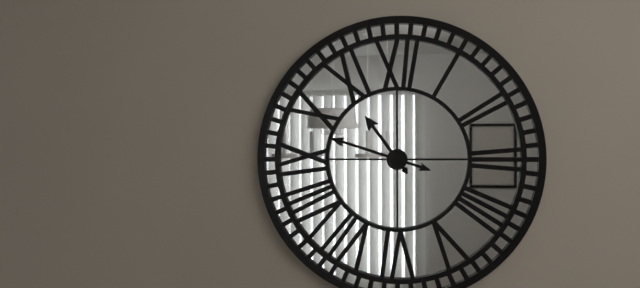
10:48
